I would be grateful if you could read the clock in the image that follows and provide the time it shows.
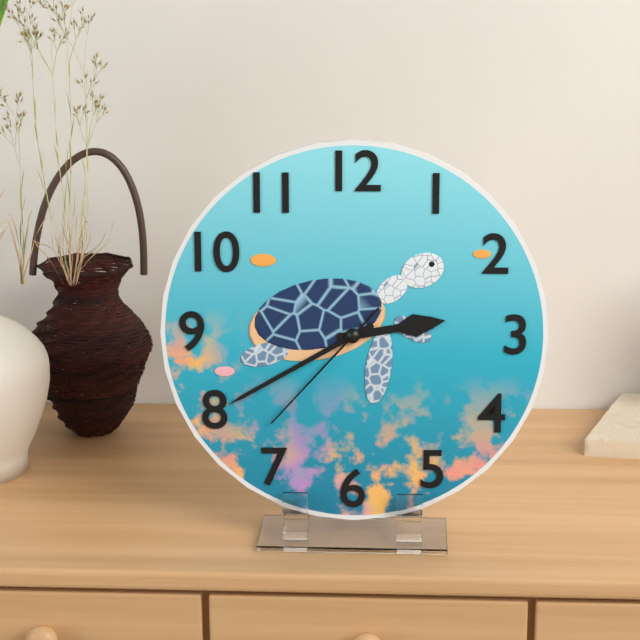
2:40:37
